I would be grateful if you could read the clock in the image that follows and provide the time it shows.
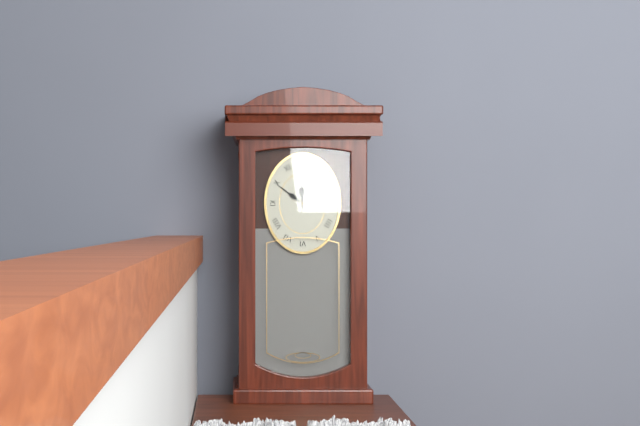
11:51
